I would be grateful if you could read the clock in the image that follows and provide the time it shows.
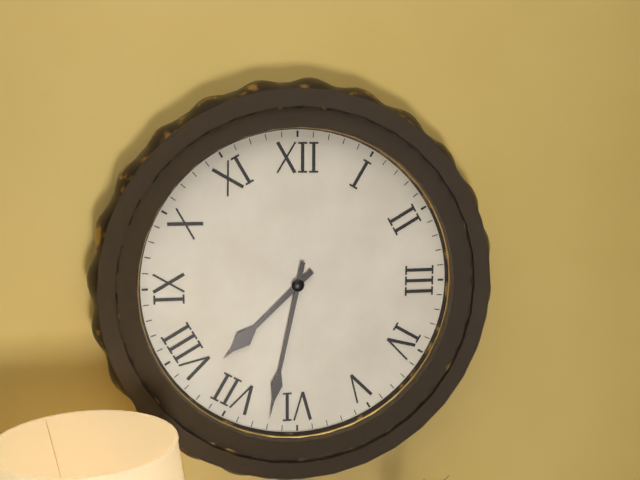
7:32
